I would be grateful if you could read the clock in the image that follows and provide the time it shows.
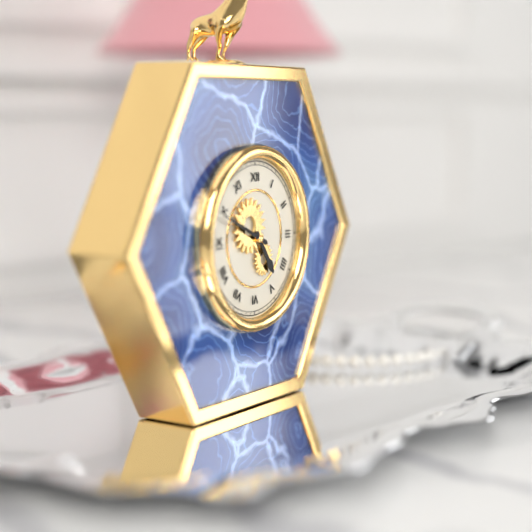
4:49
